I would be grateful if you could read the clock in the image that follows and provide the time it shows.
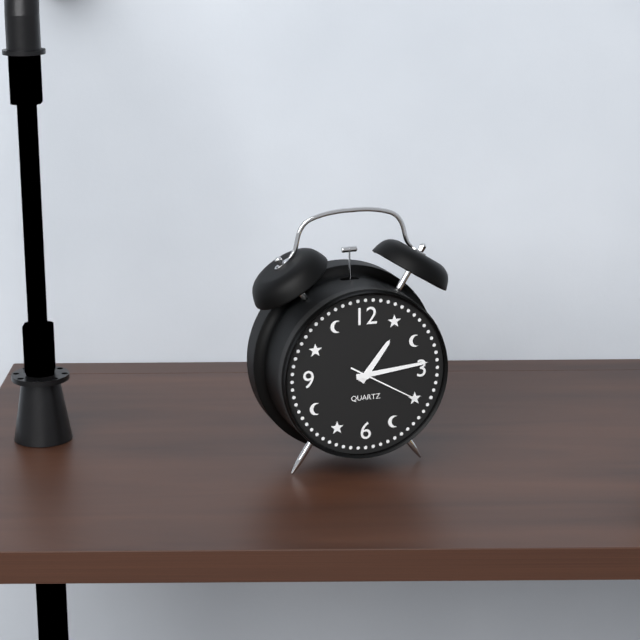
1:14:20
